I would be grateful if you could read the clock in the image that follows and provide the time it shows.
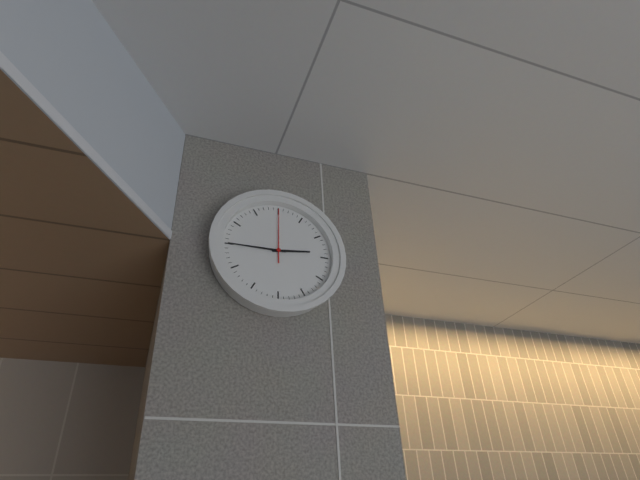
2:45:00
